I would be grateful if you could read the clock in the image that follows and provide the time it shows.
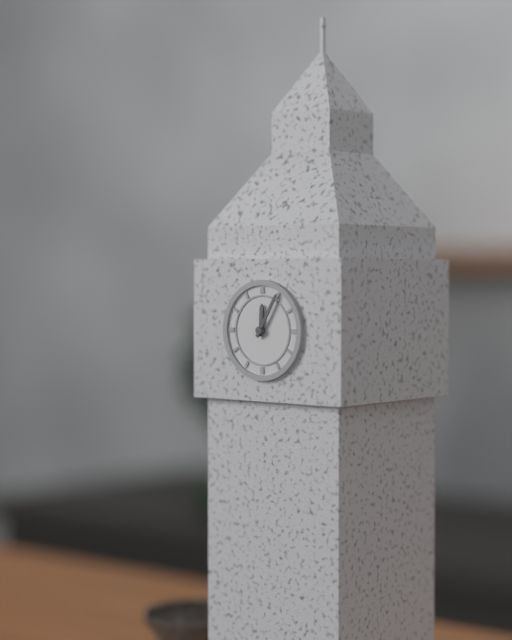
12:05
